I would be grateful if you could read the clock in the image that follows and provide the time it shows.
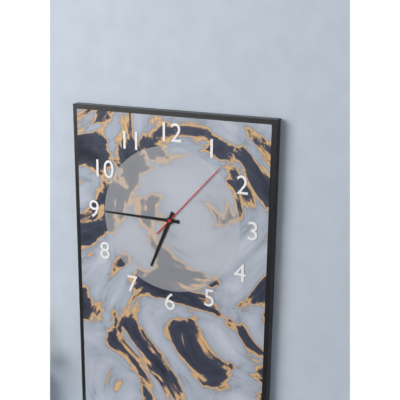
6:45:07
